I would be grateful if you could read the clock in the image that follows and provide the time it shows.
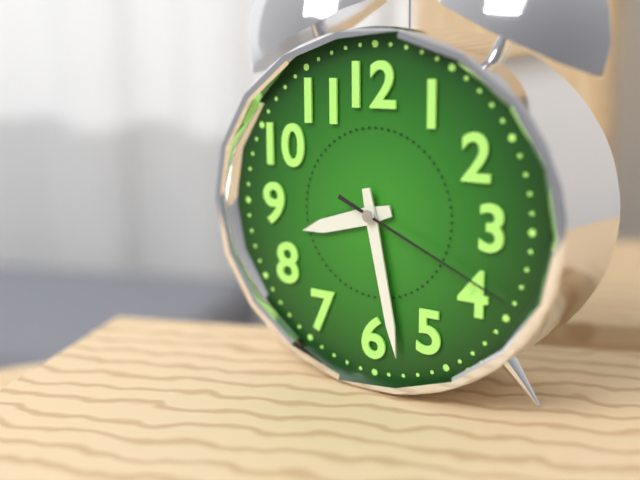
8:28:19
